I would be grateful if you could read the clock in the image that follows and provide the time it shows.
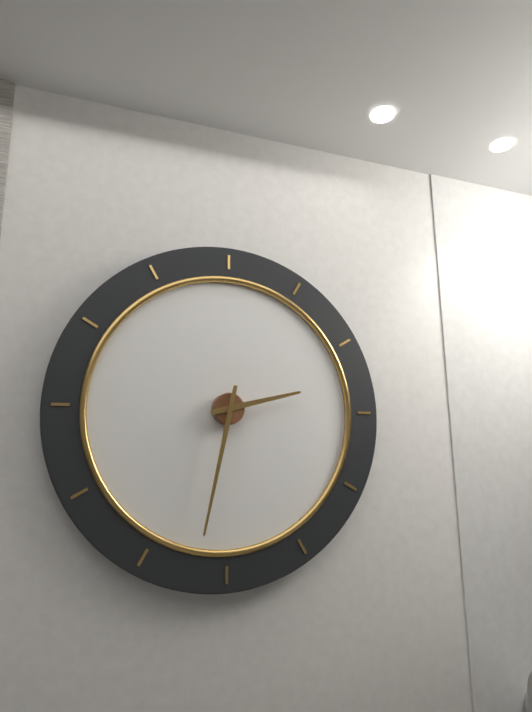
2:32
